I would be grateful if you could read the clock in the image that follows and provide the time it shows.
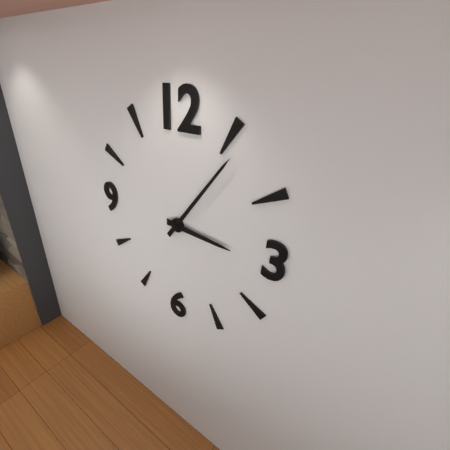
3:06
